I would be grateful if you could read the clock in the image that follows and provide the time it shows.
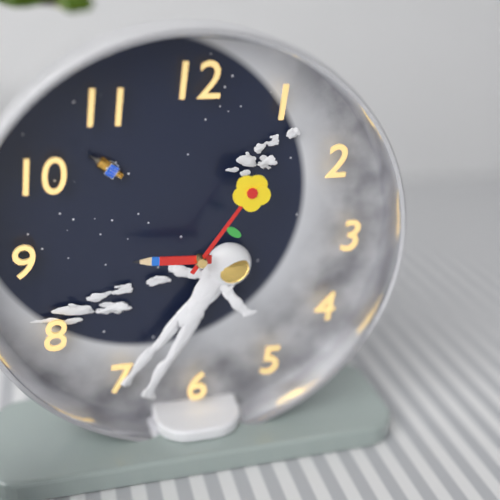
9:06
